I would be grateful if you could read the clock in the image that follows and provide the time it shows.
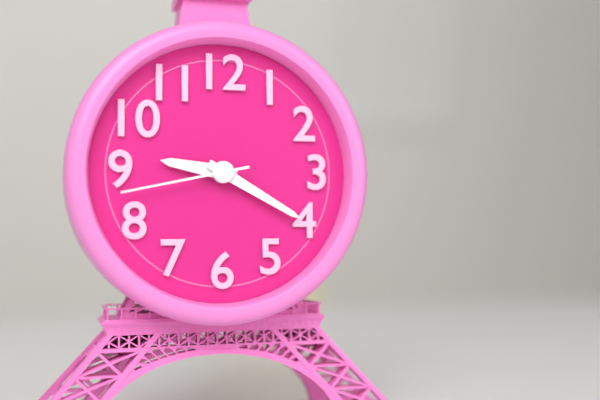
9:20:43
